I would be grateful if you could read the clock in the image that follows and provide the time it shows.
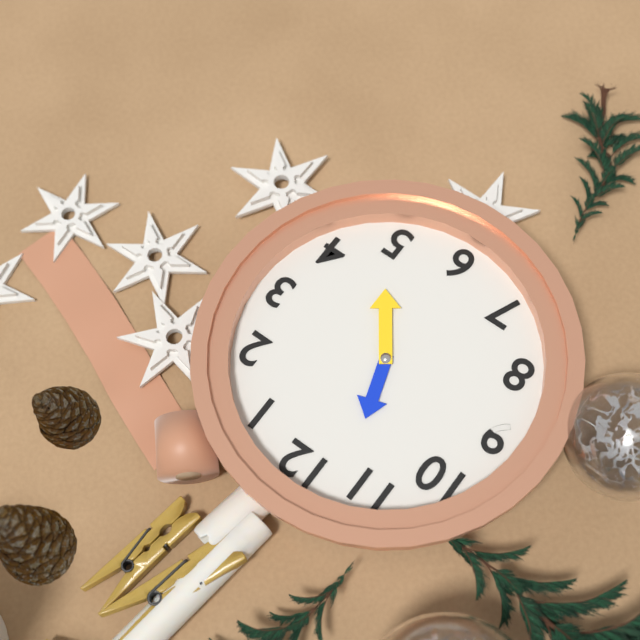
11:24
